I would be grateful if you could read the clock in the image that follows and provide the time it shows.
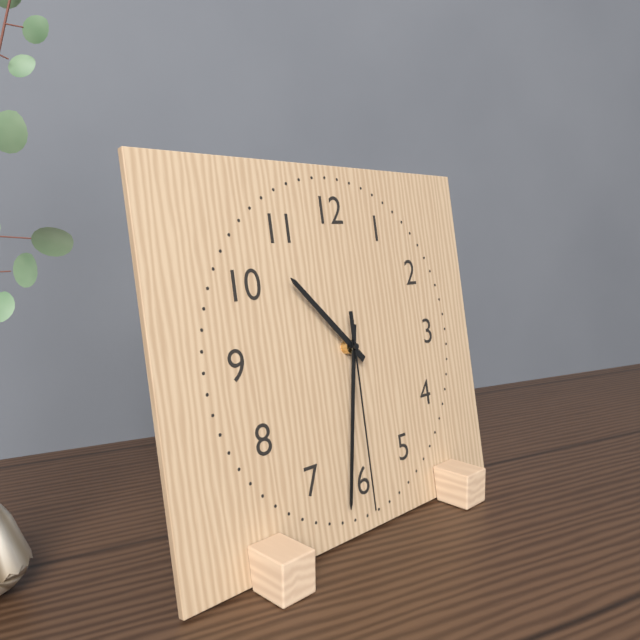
10:32:30
